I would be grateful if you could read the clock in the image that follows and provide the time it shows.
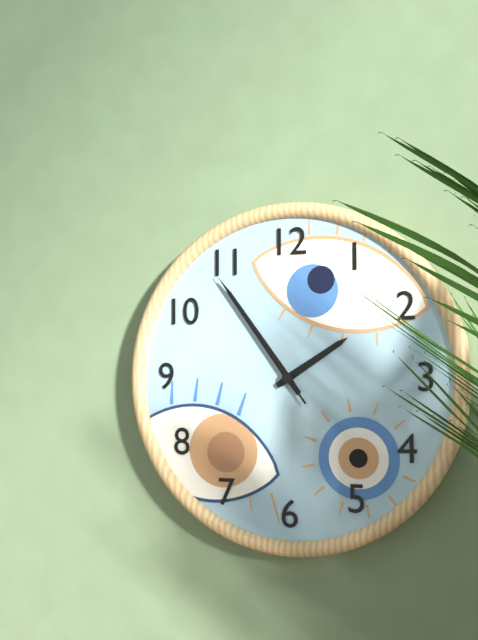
1:54:54
